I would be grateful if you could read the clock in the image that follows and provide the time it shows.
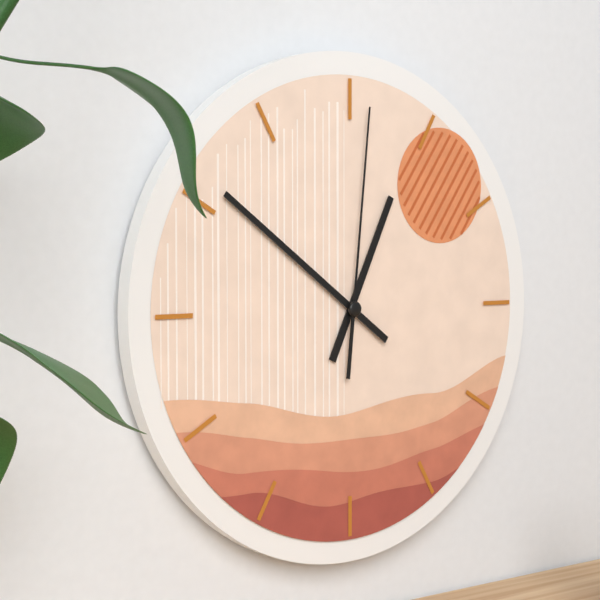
12:51:01
